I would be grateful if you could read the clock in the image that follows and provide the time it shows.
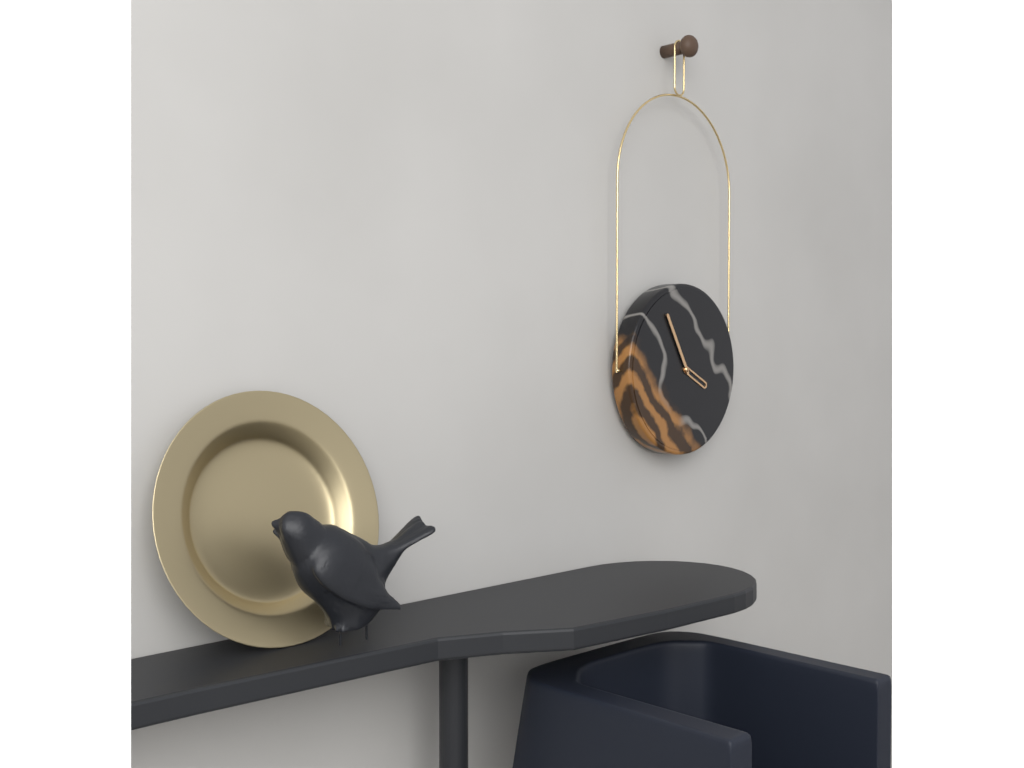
3:55
